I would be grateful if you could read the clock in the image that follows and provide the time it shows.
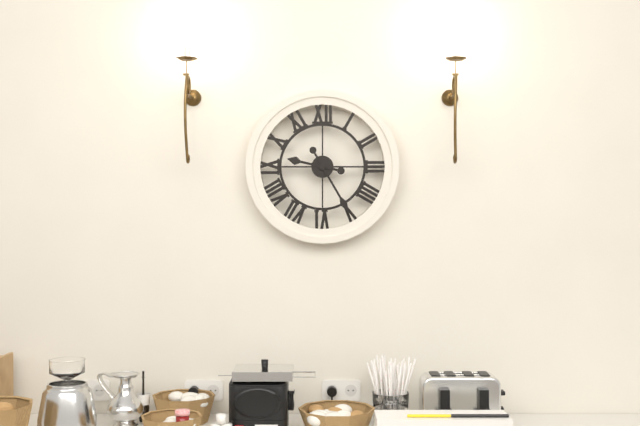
9:25
